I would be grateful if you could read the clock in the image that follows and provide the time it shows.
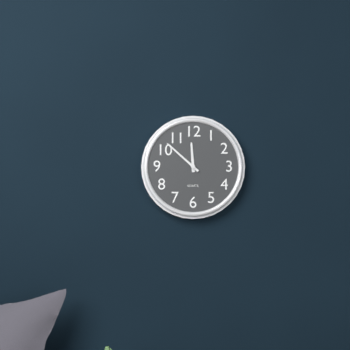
11:52
